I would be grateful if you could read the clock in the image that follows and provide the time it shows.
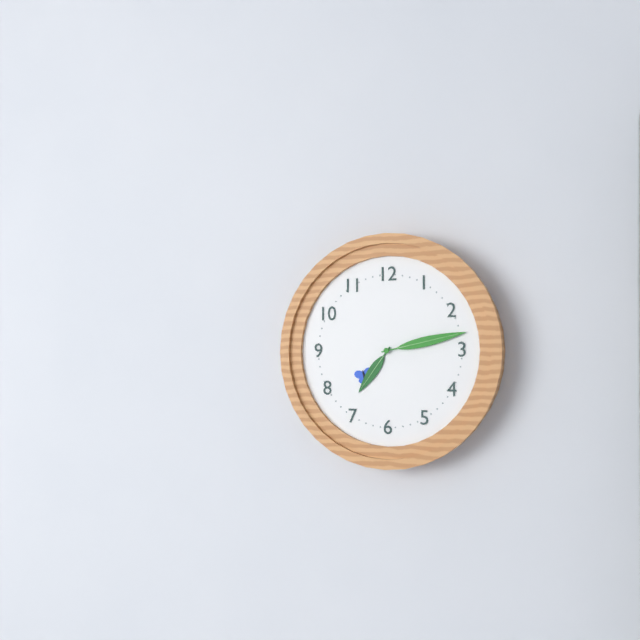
7:13
